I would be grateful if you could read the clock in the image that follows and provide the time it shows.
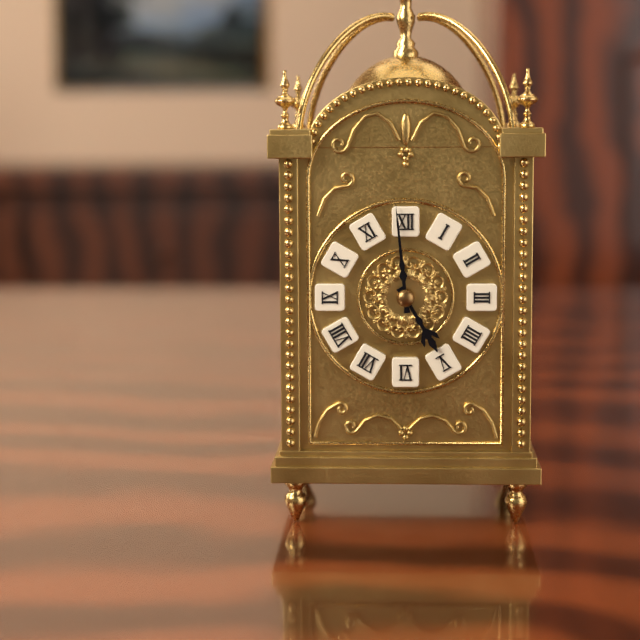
4:59
